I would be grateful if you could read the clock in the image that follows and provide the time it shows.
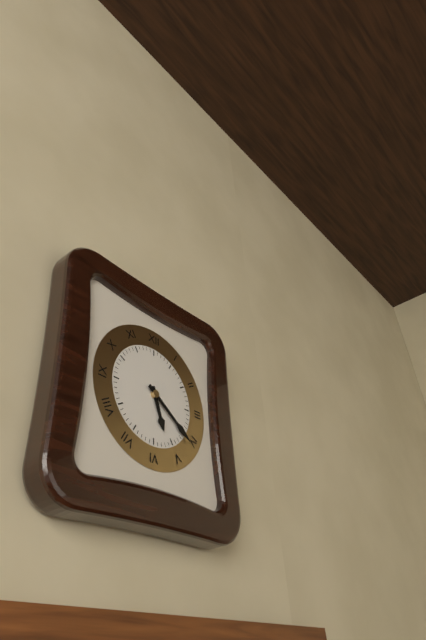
5:21
